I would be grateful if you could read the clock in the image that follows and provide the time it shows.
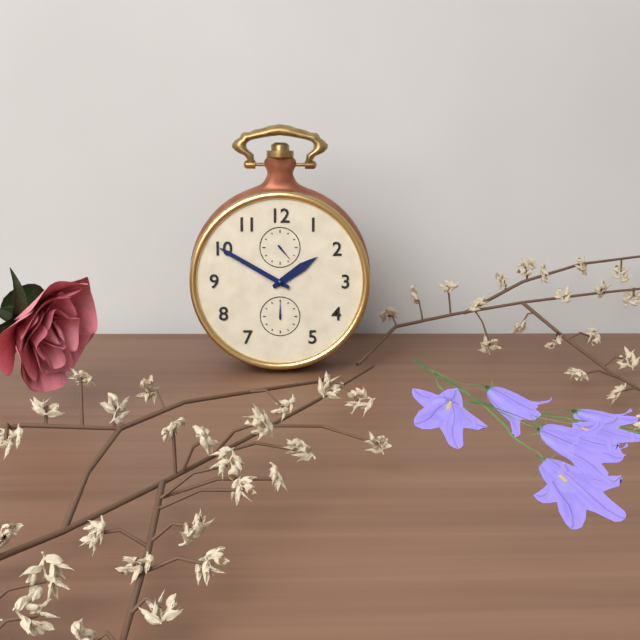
1:50
